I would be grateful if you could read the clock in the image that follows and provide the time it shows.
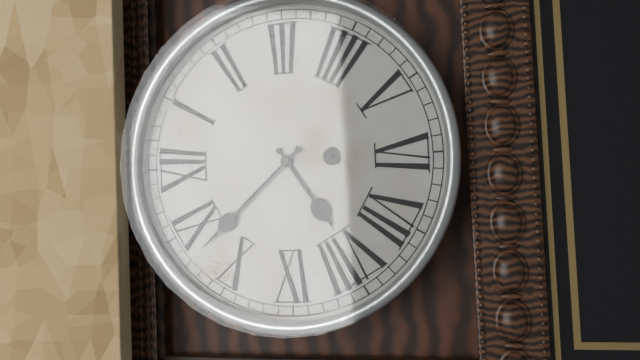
7:53
